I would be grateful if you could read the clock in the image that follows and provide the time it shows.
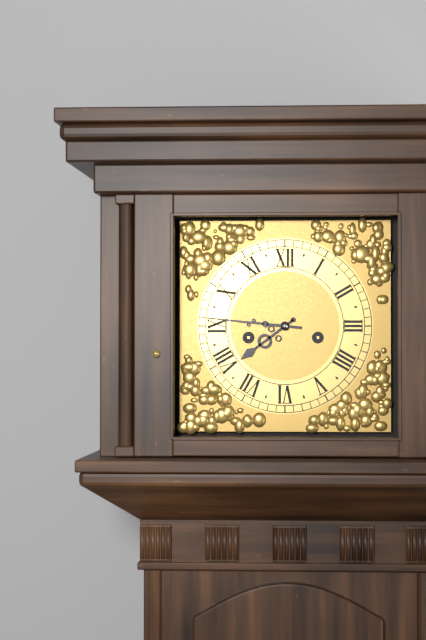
7:46
